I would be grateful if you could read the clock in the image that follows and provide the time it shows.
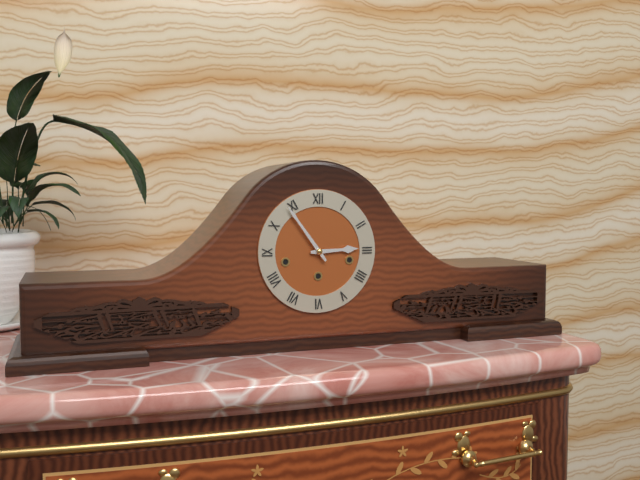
2:54
